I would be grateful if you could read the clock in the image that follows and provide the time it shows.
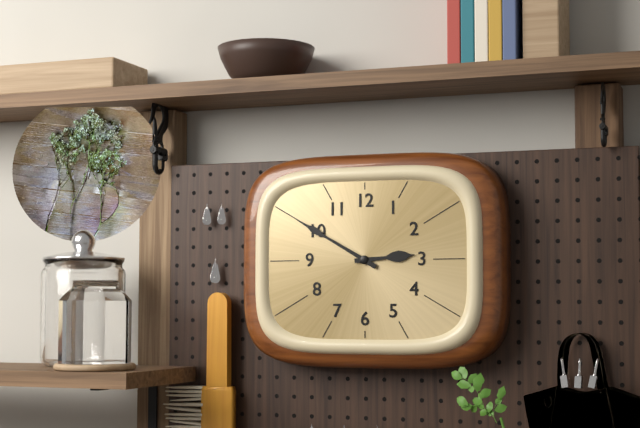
2:50
